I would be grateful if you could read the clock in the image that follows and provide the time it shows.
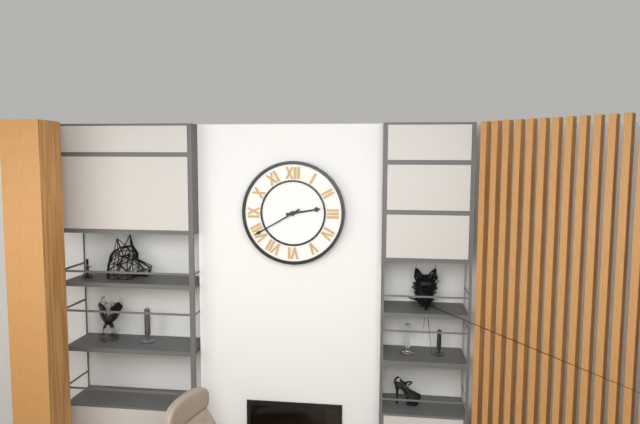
2:40
